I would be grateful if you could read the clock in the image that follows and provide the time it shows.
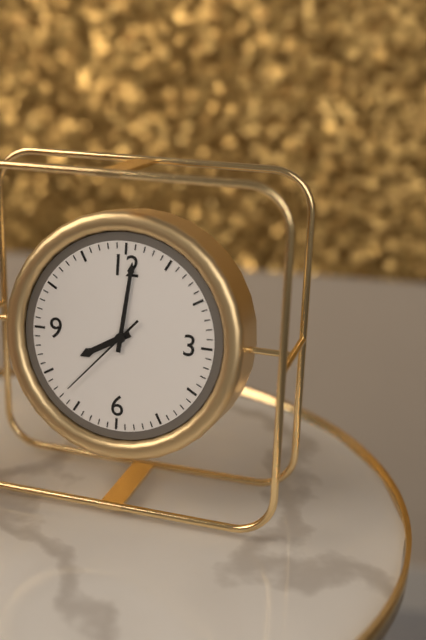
8:01:37
